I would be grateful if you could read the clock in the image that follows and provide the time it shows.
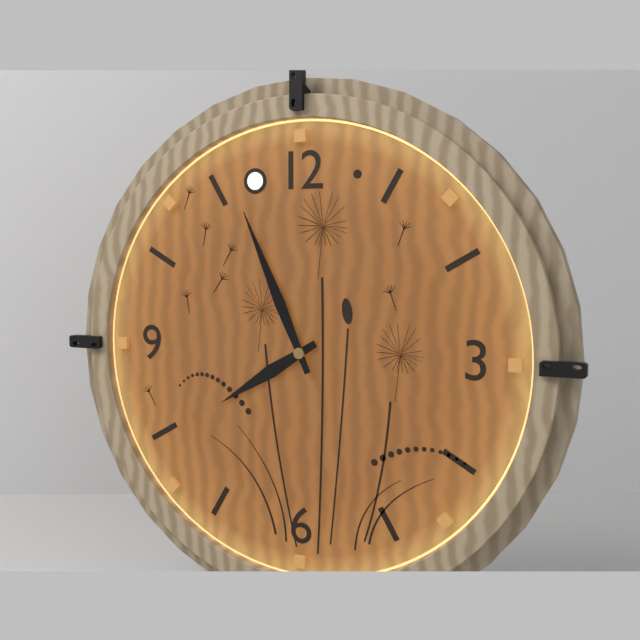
7:56
